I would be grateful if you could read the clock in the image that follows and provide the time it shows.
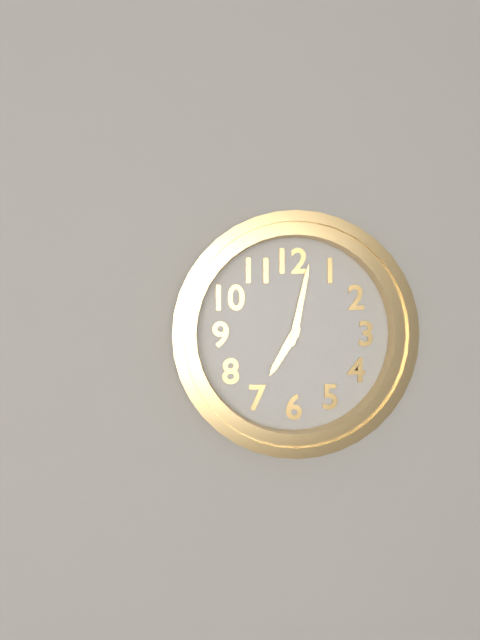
7:02
